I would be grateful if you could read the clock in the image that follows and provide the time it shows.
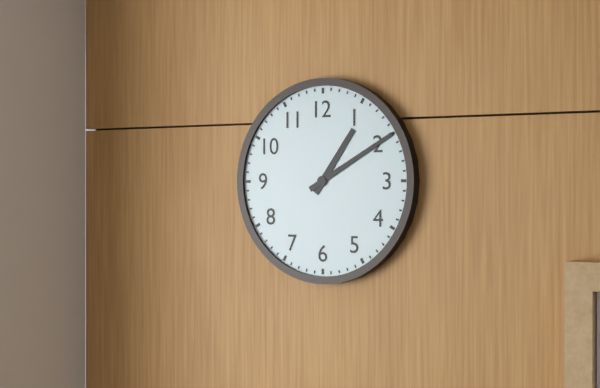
1:10
